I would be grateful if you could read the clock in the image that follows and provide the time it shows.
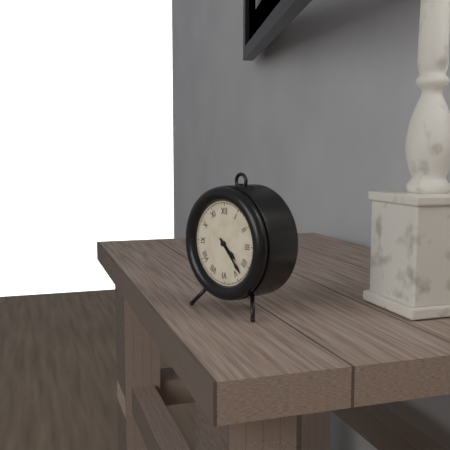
4:23
